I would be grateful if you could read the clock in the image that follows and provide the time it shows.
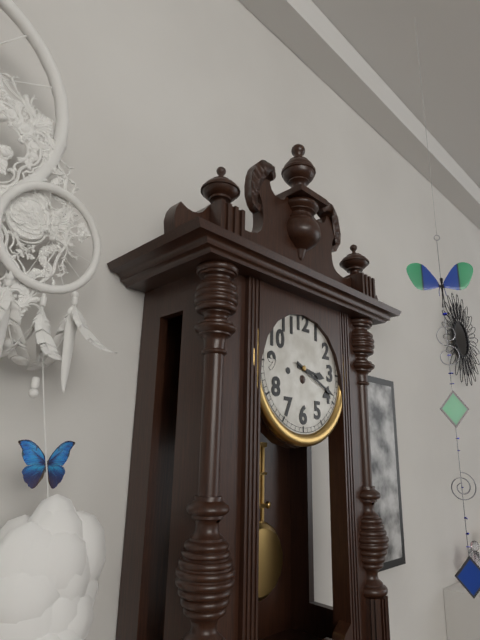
3:19
